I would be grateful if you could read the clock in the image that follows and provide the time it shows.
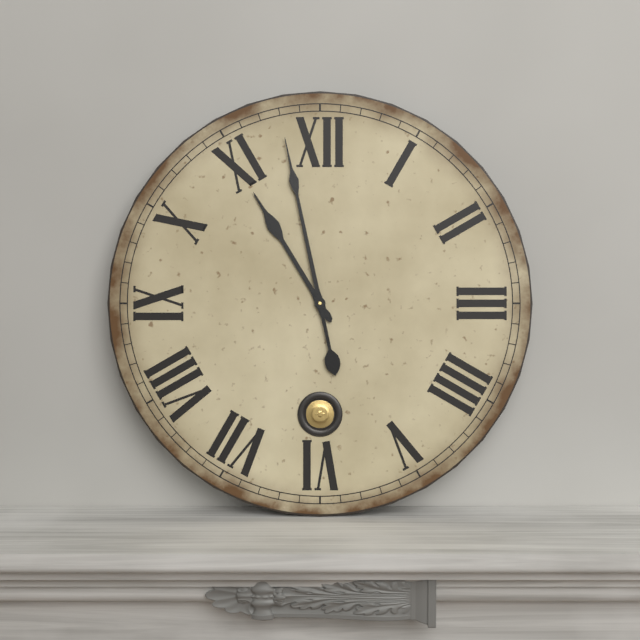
10:58
